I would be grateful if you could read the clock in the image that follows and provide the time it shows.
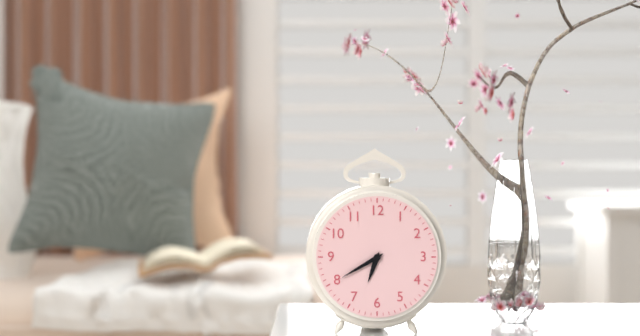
6:40
